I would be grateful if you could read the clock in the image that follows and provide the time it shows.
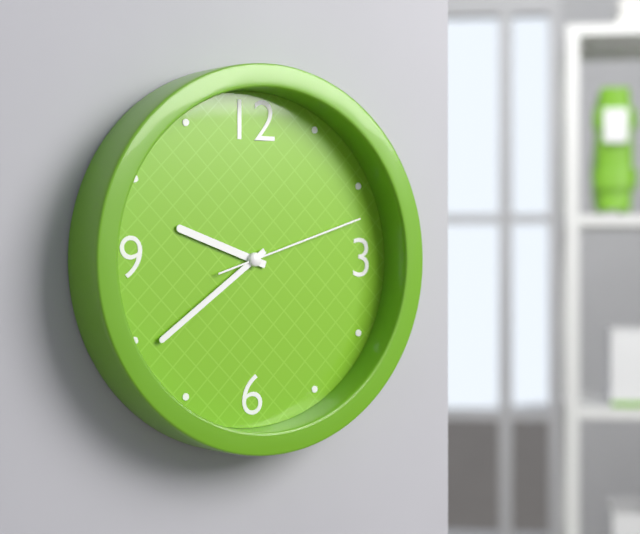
9:39:12
